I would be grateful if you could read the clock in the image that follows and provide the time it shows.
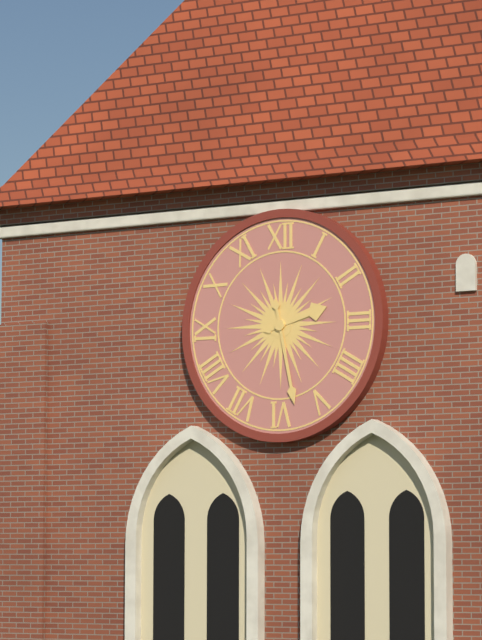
2:28
